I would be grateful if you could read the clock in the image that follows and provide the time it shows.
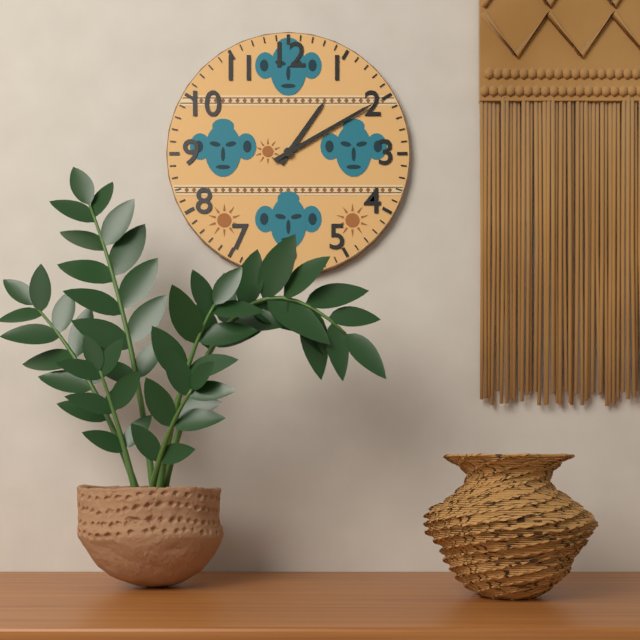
1:10
